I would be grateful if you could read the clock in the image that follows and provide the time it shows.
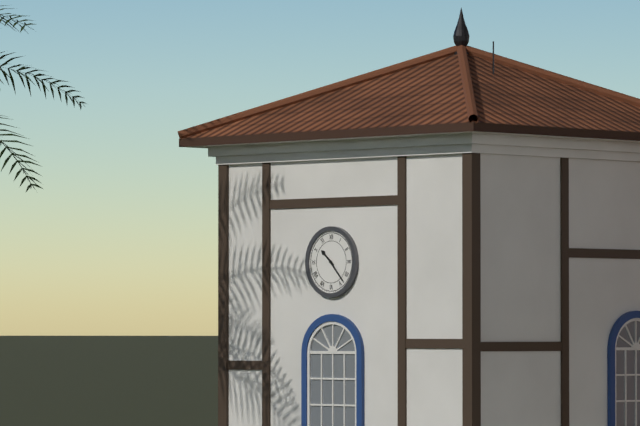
10:23
